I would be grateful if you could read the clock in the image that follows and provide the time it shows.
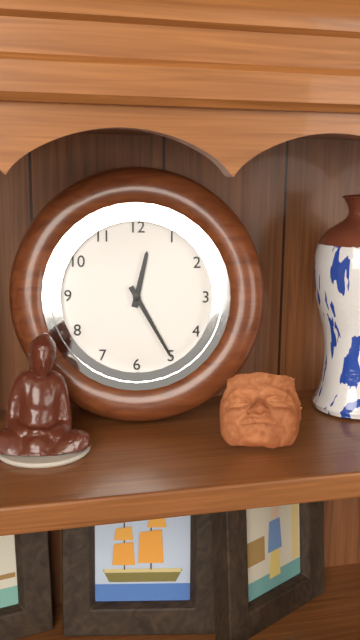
12:25
